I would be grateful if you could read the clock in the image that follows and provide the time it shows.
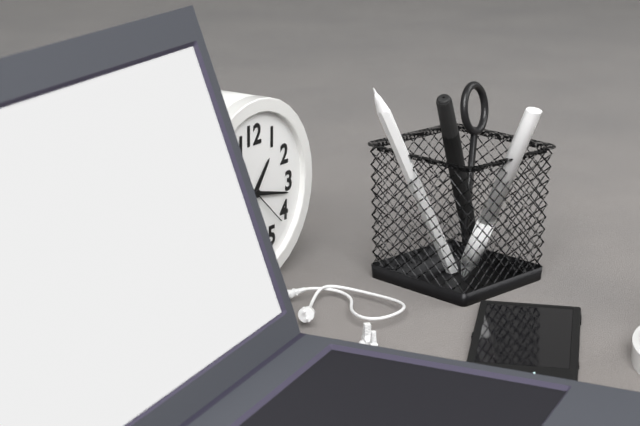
1:17
